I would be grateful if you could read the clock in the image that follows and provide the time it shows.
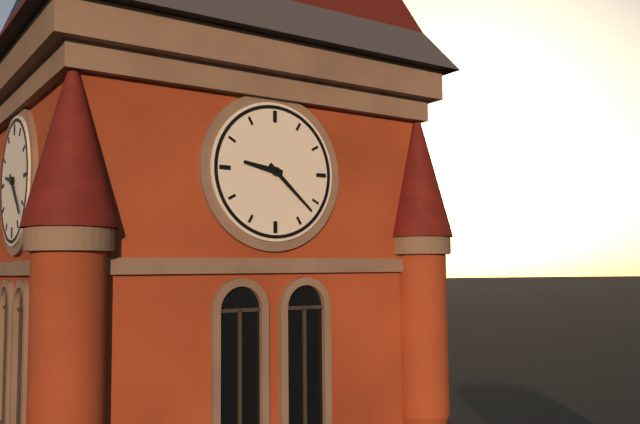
9:22
